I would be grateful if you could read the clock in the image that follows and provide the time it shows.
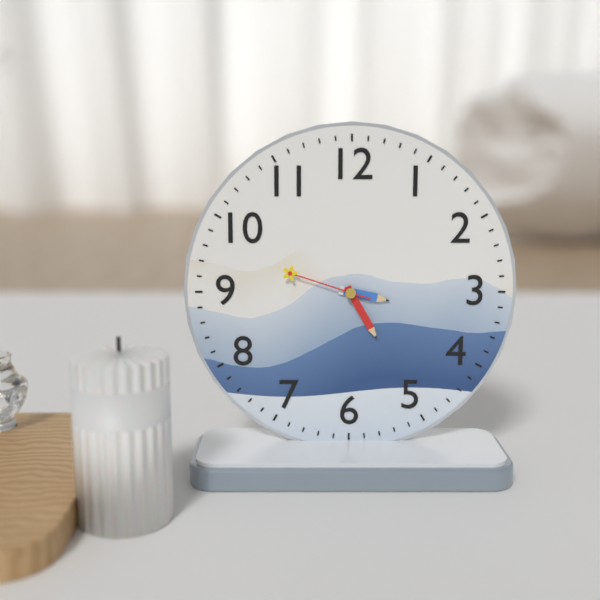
3:25:48
